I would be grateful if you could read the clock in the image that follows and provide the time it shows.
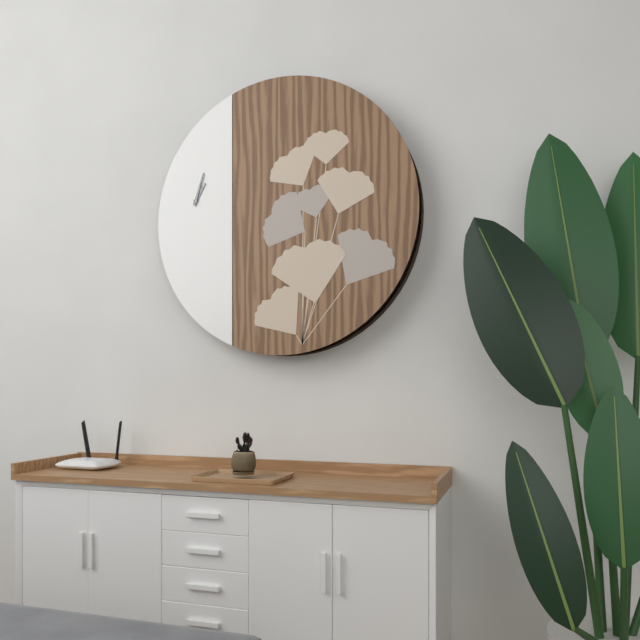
1:03
